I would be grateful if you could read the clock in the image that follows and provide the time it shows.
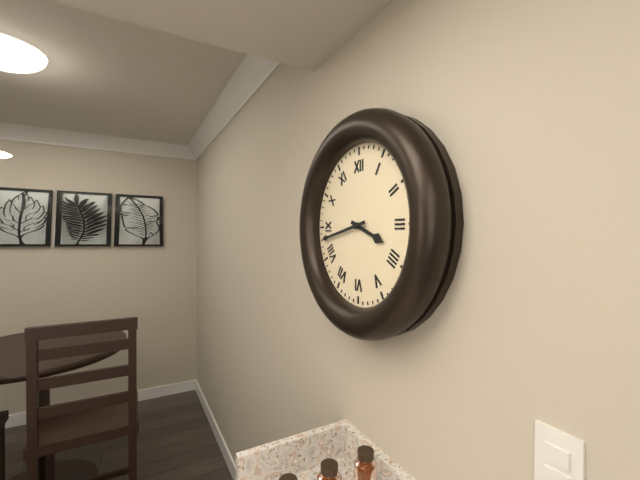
3:43
